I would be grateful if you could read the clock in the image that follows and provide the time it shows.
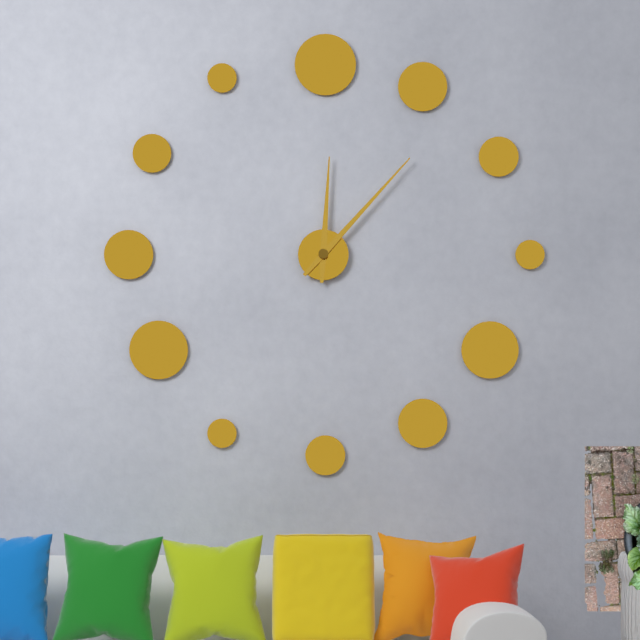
12:07
